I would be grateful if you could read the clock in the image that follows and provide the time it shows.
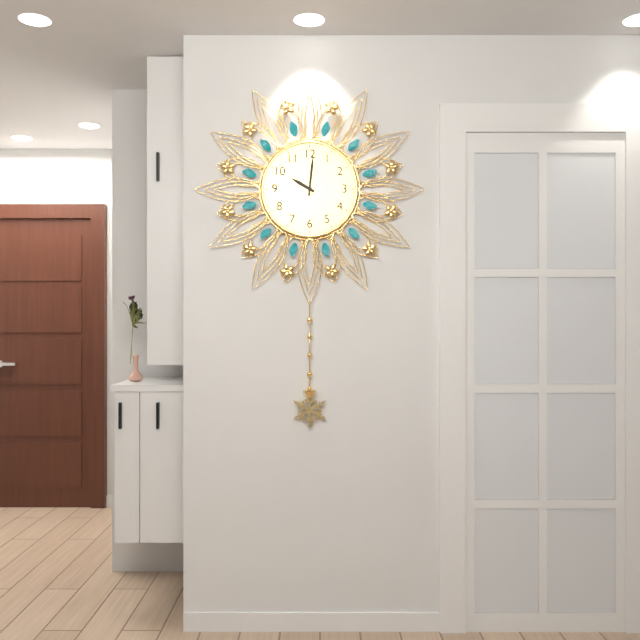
10:01
